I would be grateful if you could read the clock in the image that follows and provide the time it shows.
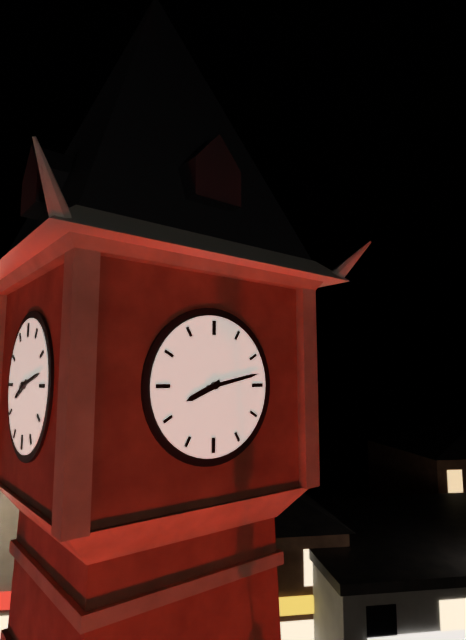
8:13
